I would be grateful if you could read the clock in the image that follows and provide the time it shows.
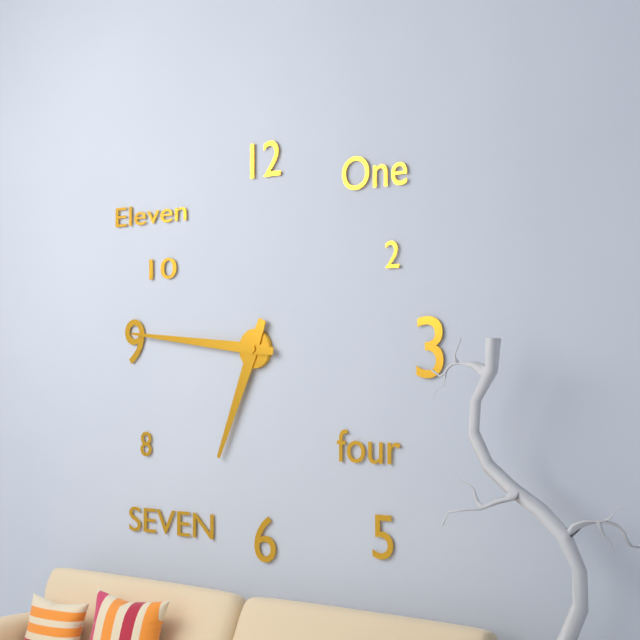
6:46
